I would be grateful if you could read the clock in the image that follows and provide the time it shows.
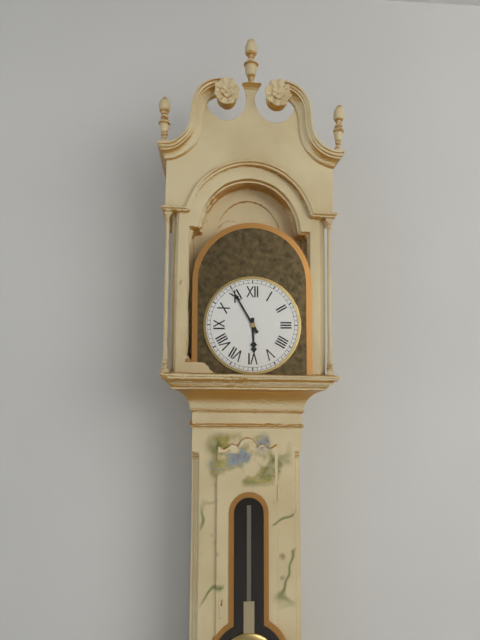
5:55
